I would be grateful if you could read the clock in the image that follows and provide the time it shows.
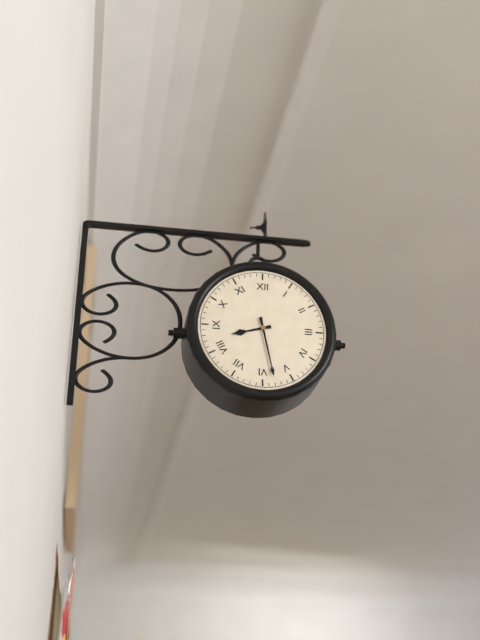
8:28
